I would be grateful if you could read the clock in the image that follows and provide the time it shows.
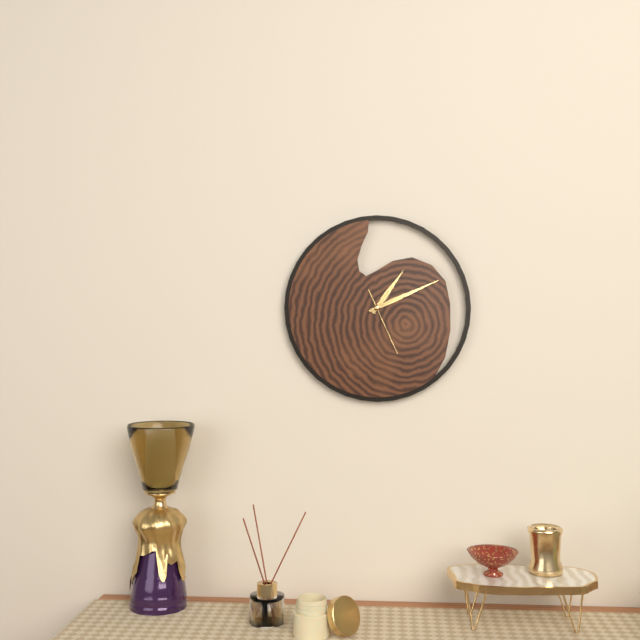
1:11:26
